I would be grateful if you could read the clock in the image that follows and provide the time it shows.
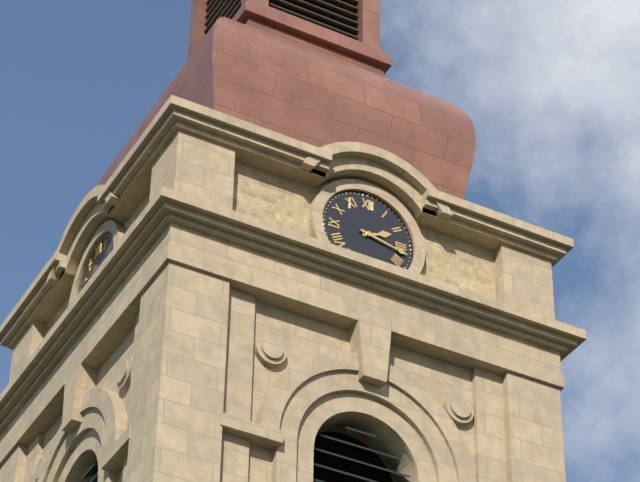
2:17
